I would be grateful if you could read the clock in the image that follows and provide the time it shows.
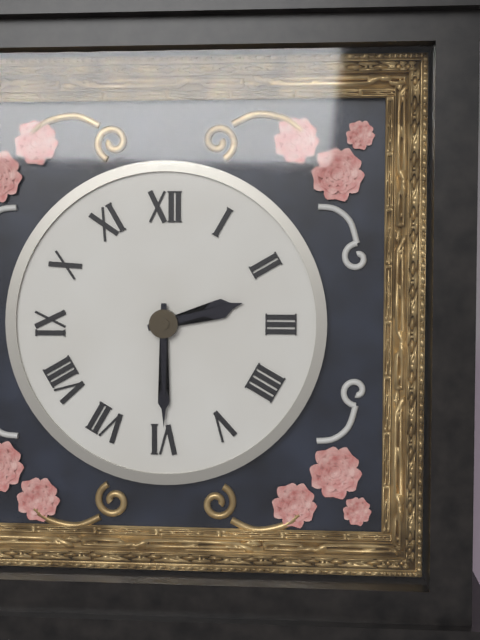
2:30
